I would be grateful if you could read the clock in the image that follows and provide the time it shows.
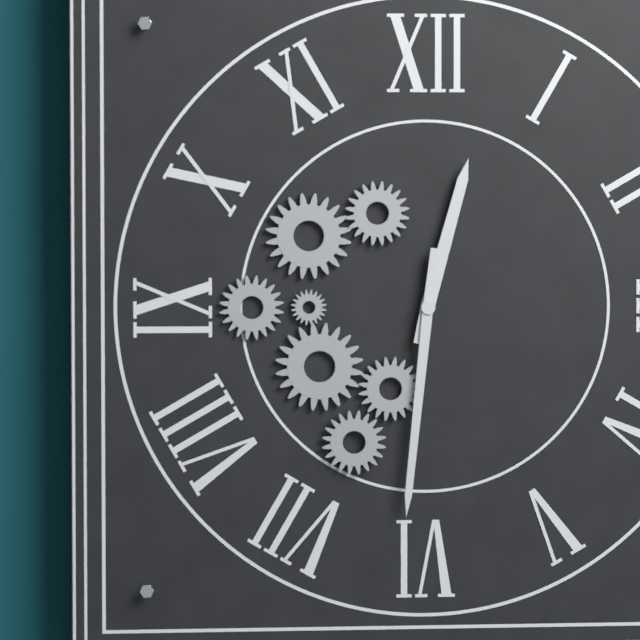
12:31
